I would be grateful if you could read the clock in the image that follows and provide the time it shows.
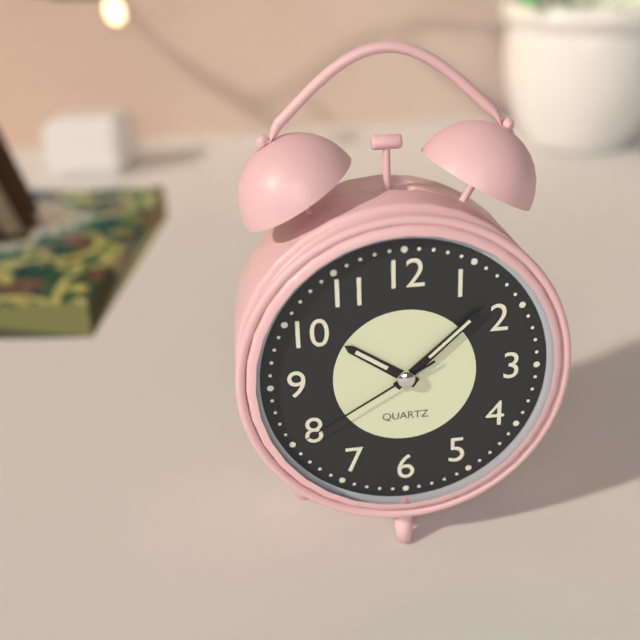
10:08:40
